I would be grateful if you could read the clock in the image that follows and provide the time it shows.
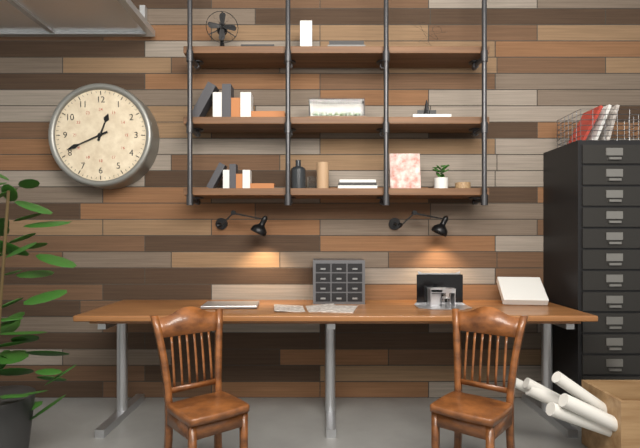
12:41
